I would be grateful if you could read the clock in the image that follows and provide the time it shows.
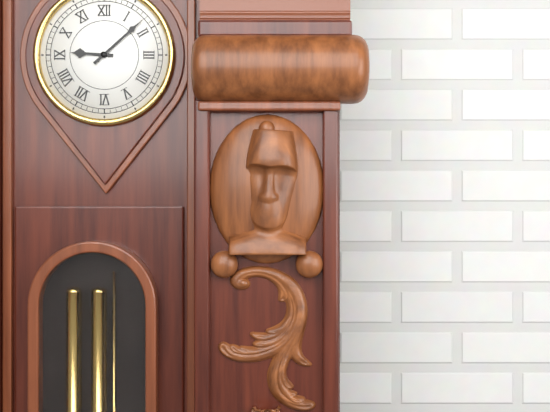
9:08
